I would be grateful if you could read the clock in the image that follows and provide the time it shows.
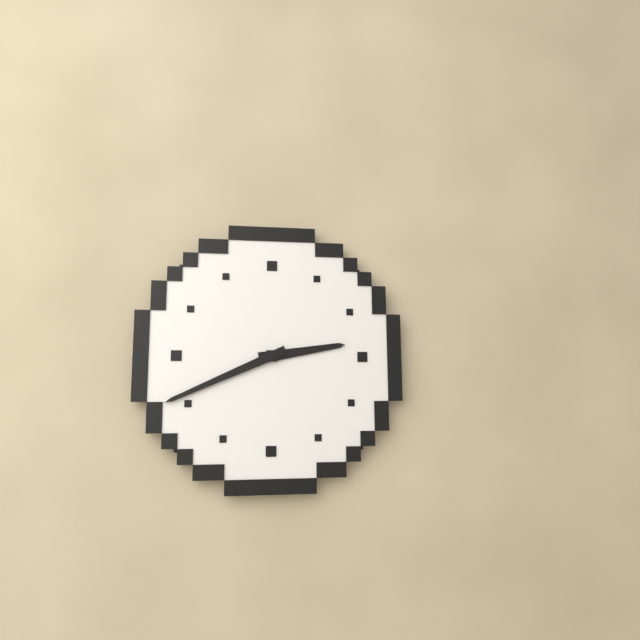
2:41
